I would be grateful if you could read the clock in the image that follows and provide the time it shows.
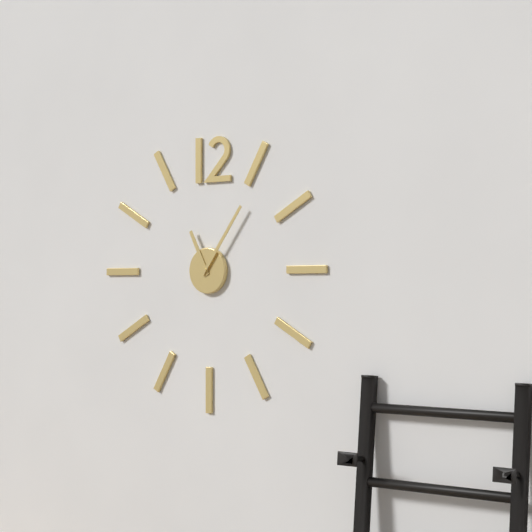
11:06
